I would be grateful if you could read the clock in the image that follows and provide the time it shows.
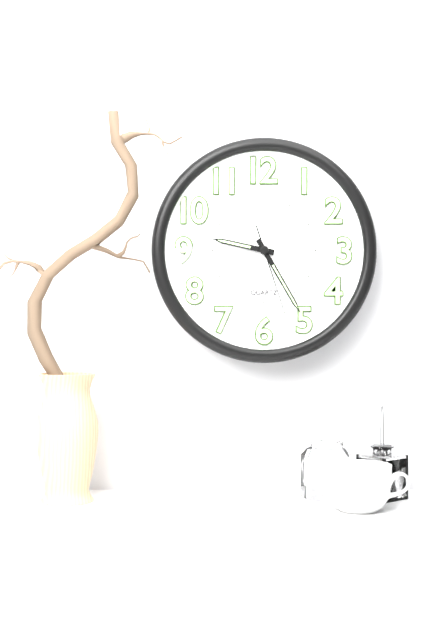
9:25:27
